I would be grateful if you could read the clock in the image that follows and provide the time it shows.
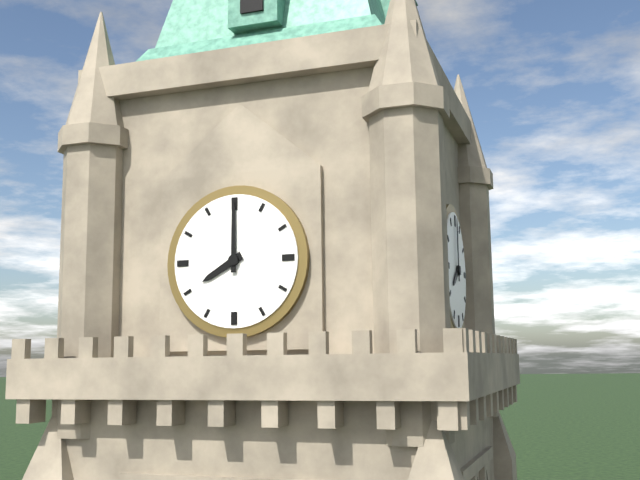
8:00
